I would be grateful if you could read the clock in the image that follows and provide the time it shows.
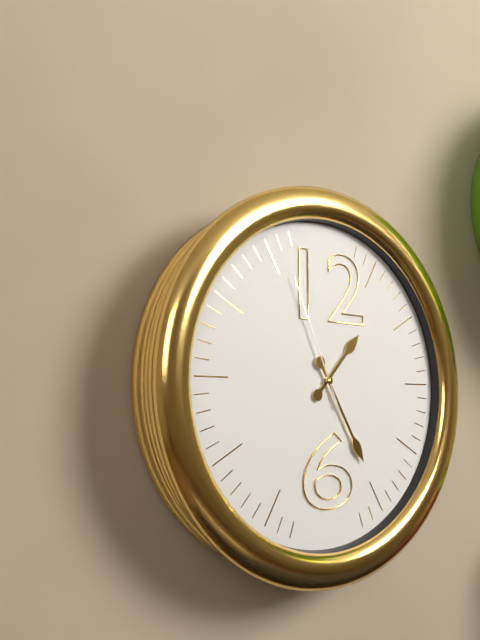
1:25:56
